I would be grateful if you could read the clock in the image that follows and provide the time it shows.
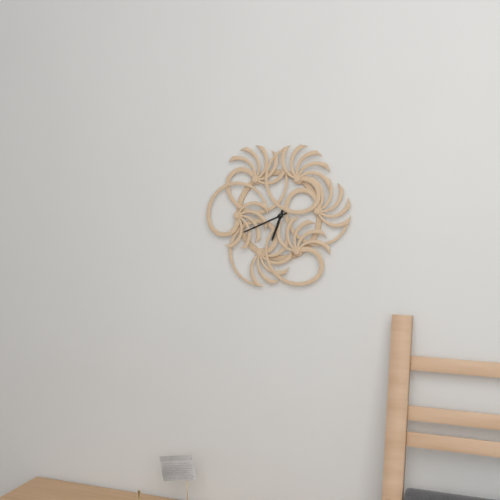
6:41
